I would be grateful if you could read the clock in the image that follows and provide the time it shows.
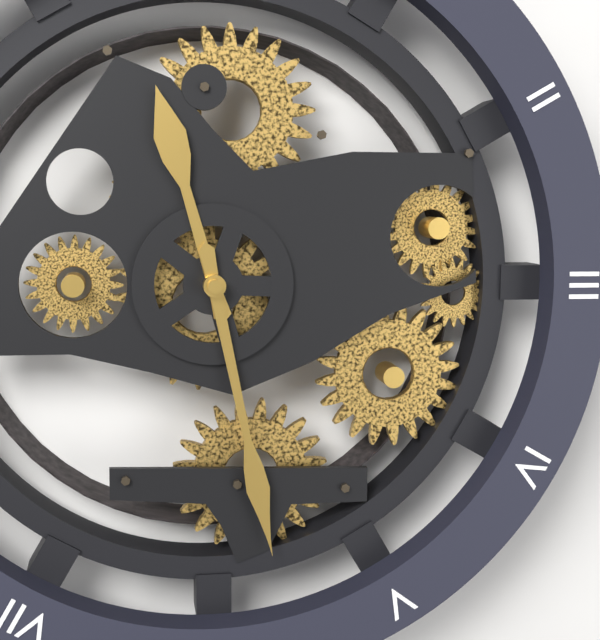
11:28
